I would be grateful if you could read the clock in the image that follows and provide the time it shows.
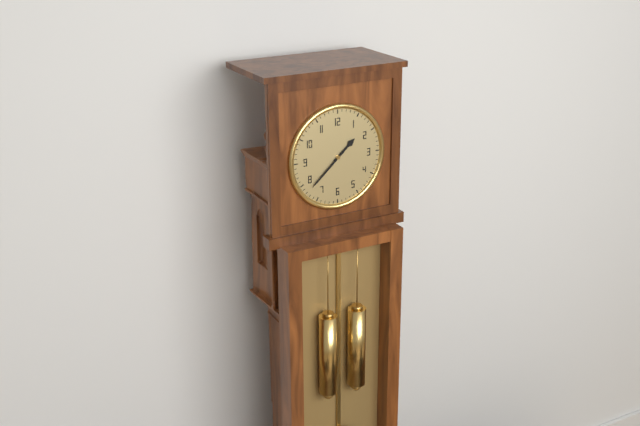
1:38
